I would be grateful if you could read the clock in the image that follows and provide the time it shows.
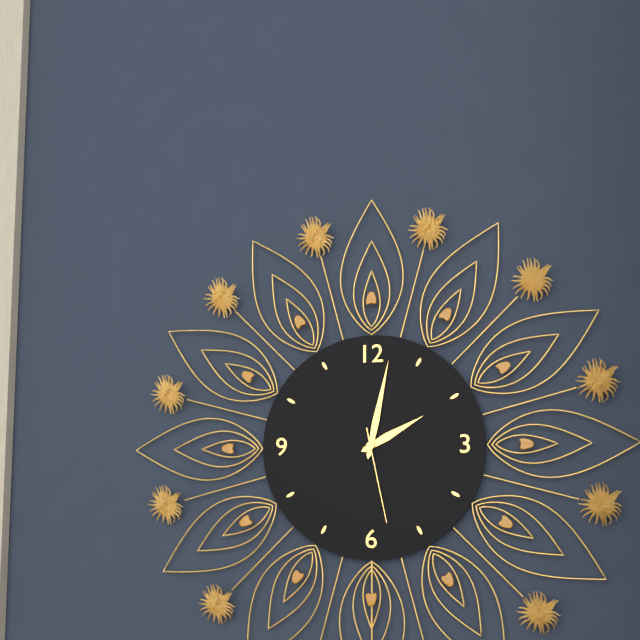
2:02:28
